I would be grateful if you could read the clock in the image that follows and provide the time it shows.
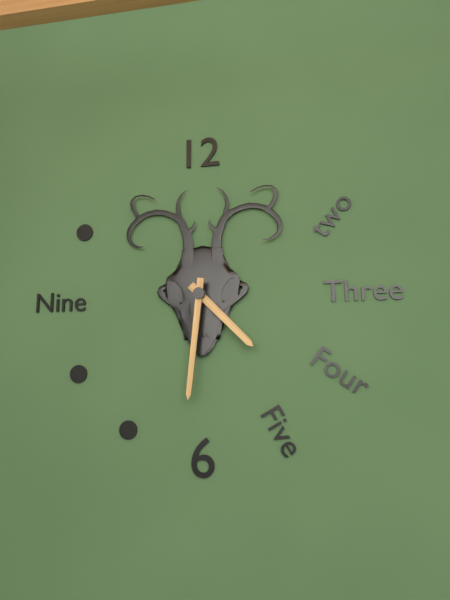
4:31
